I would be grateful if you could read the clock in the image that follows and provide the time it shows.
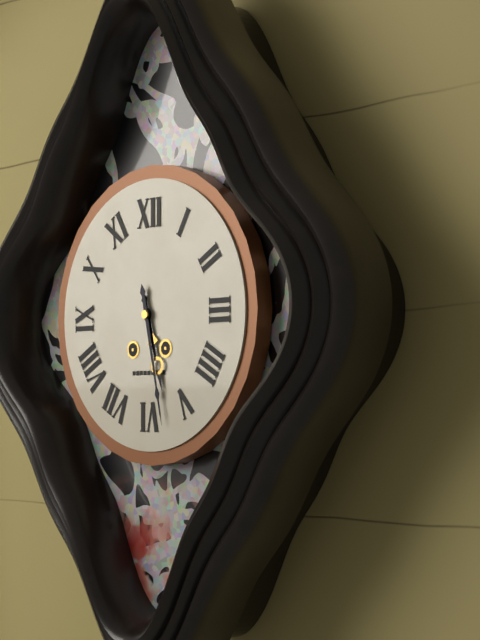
5:28
